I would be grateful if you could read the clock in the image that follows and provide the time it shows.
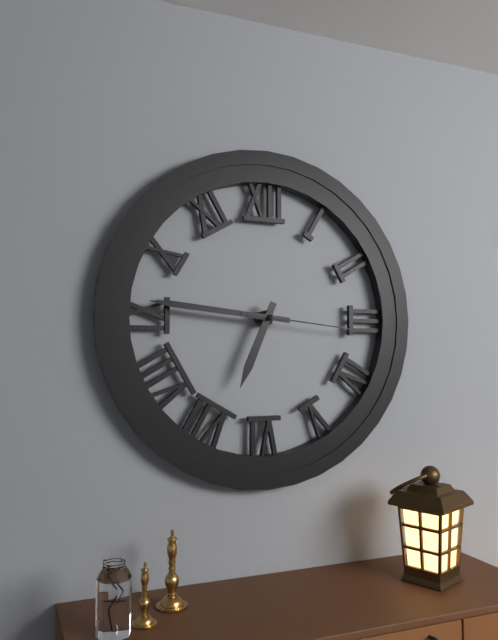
6:46:16
